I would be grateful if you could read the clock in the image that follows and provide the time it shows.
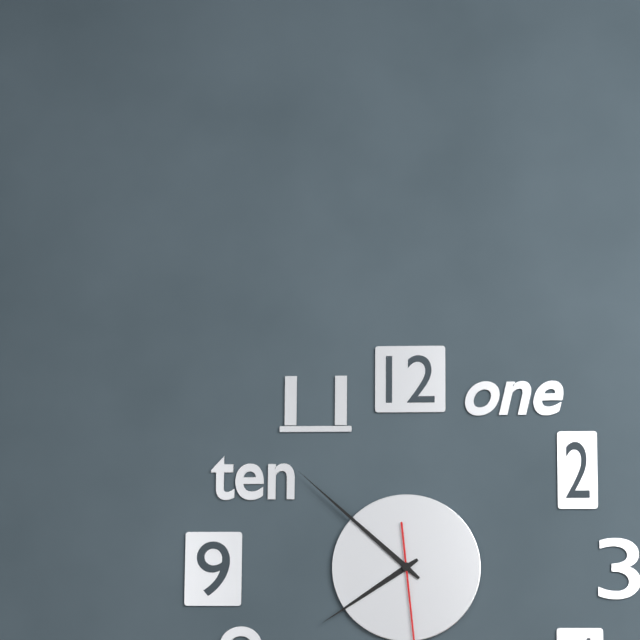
7:52
